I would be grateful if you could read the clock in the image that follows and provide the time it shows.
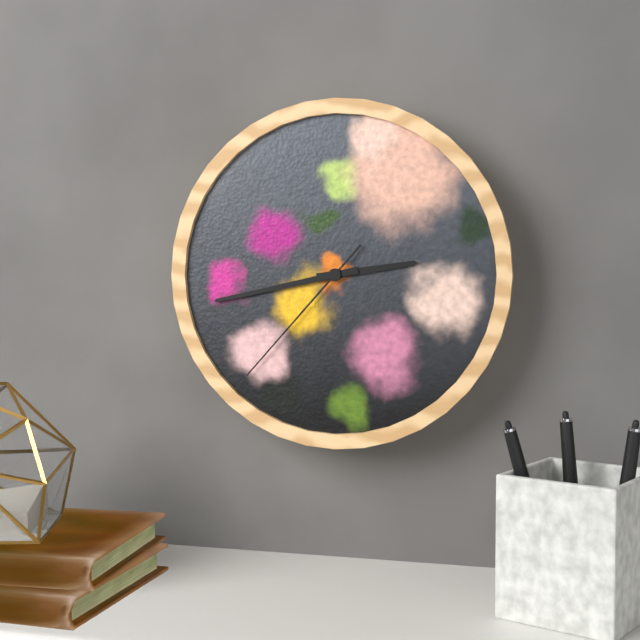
2:43:37
